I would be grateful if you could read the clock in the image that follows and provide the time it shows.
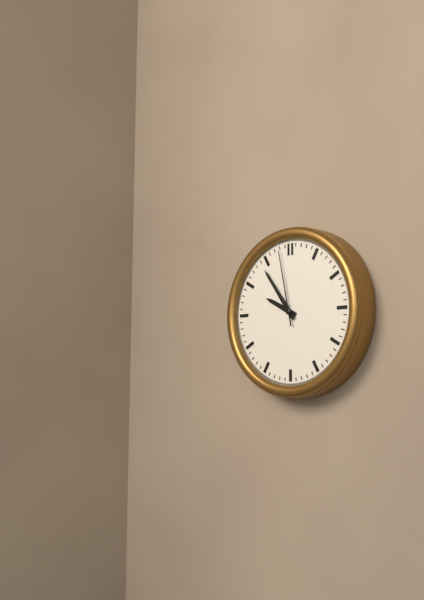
9:54:58
